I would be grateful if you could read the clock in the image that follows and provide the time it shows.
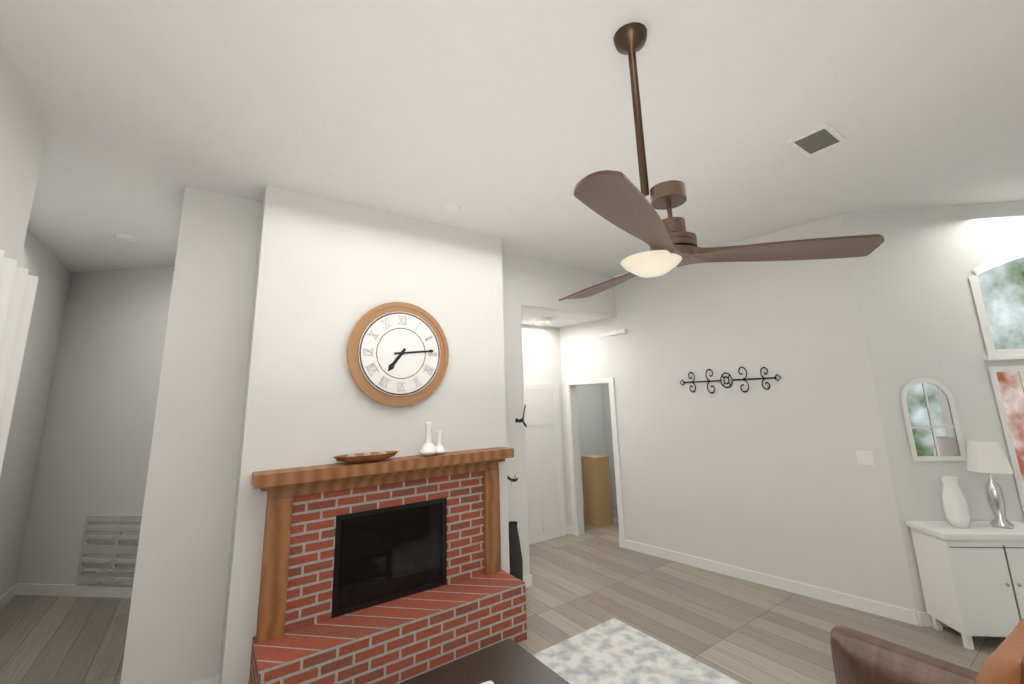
7:14
